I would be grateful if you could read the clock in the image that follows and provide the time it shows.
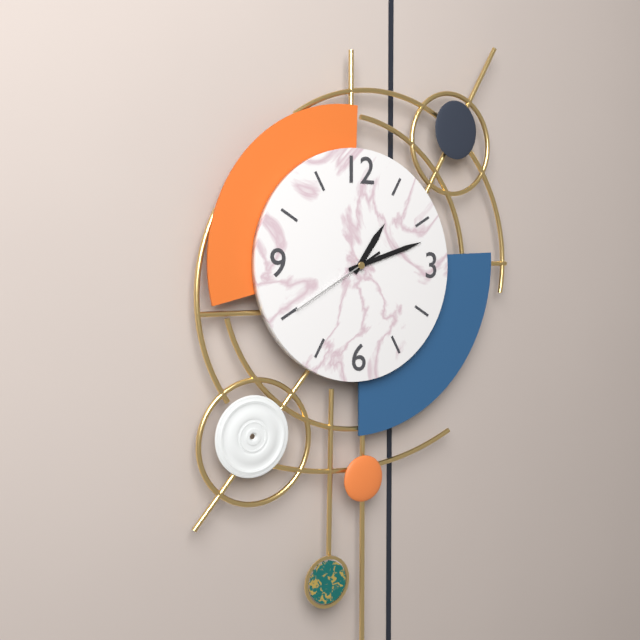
1:12:40
